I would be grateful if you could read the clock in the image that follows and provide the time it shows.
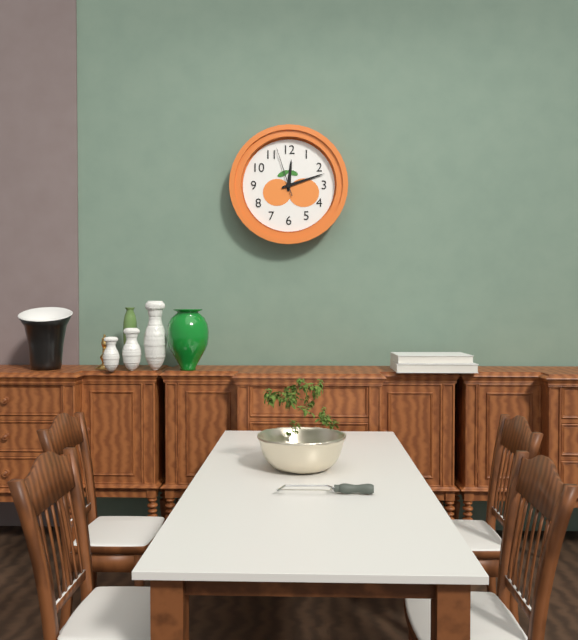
12:12:57
